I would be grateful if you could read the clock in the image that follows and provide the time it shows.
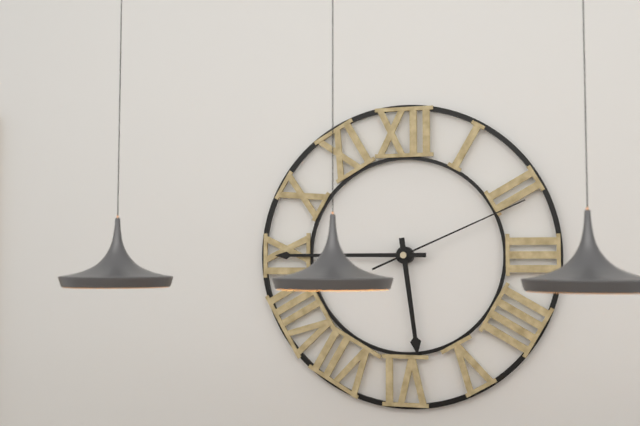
5:45:11
